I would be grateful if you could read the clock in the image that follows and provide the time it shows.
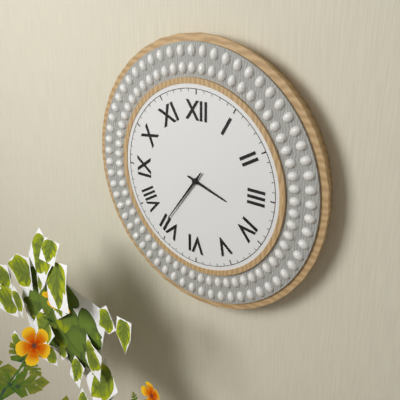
3:36
